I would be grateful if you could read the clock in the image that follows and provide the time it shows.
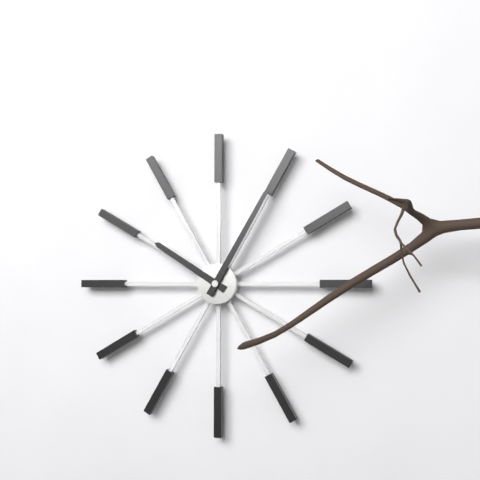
10:05
